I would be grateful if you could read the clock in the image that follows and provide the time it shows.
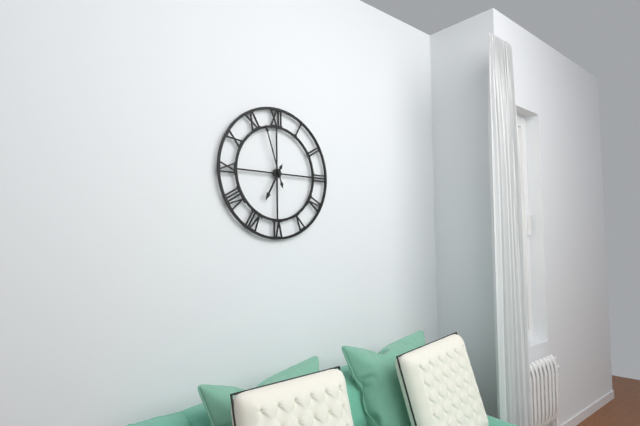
6:57
